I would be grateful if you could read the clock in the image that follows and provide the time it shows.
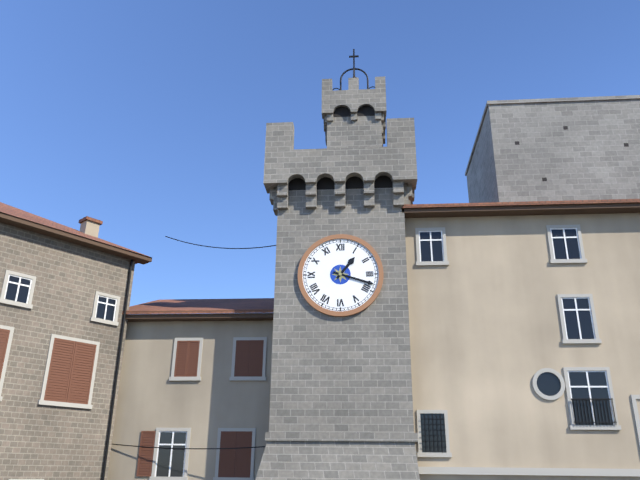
1:18
